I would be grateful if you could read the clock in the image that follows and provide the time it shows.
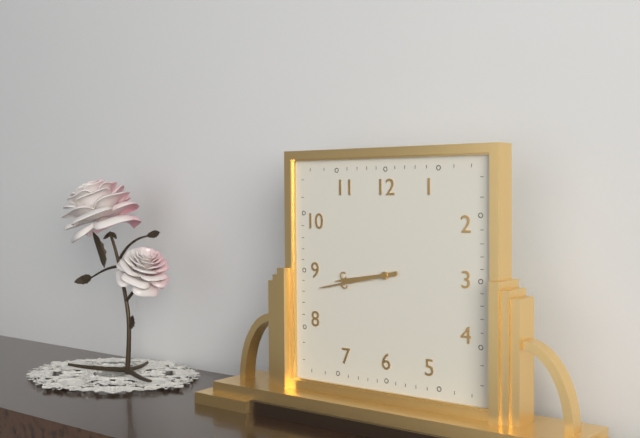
8:43
